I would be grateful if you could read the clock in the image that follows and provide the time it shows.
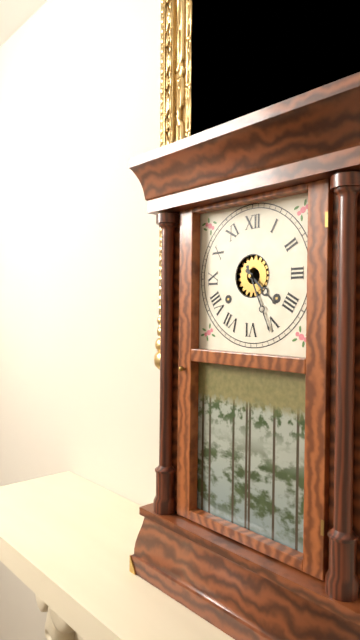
4:26
